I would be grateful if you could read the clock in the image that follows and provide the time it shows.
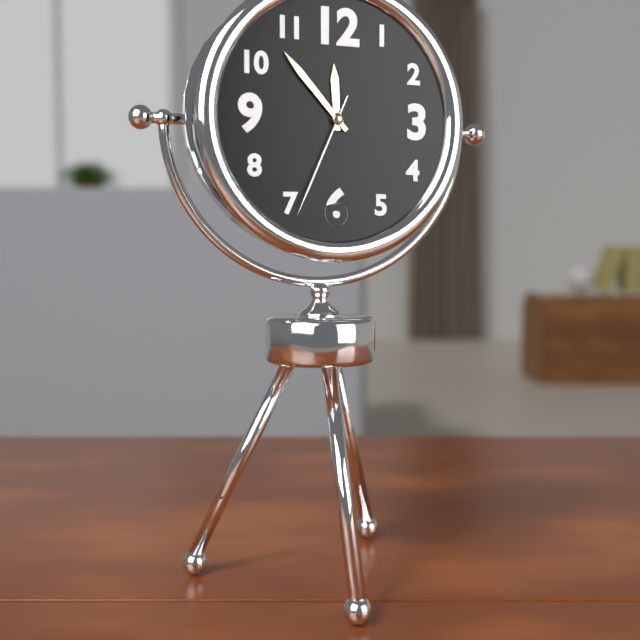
11:53:34
